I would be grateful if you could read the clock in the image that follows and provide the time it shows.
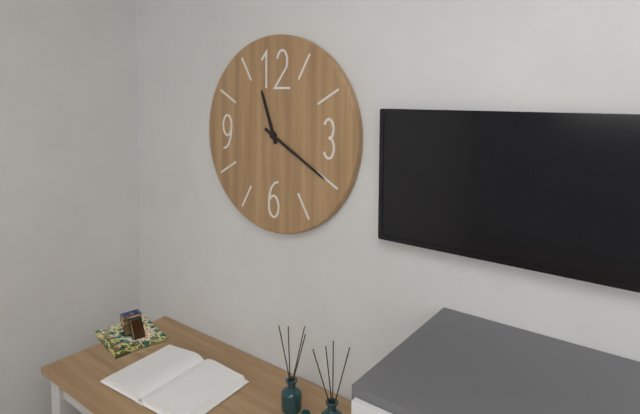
11:20
